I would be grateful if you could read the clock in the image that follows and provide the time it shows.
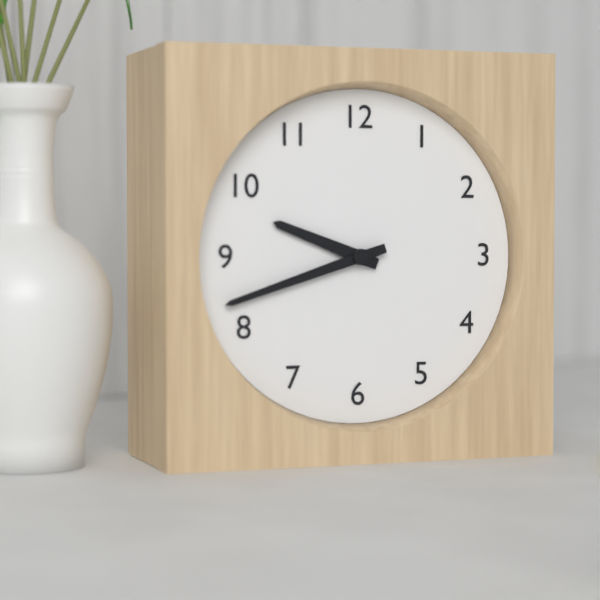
9:42
